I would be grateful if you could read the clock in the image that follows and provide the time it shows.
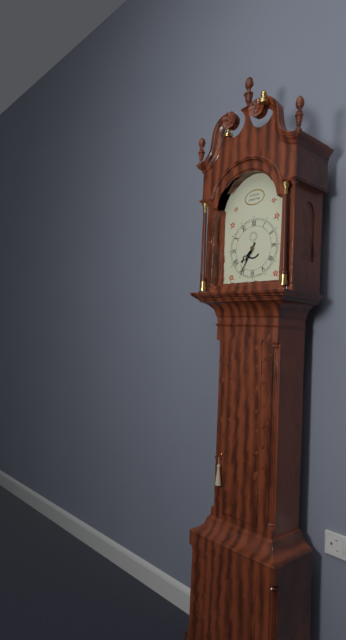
7:35
